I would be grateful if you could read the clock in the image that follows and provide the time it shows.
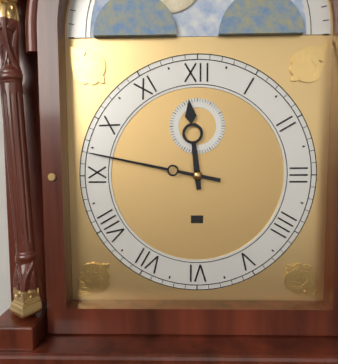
11:47
